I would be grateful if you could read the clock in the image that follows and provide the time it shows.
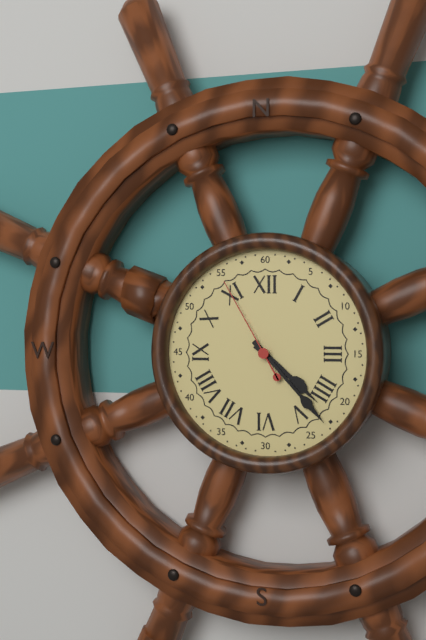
4:23:55
